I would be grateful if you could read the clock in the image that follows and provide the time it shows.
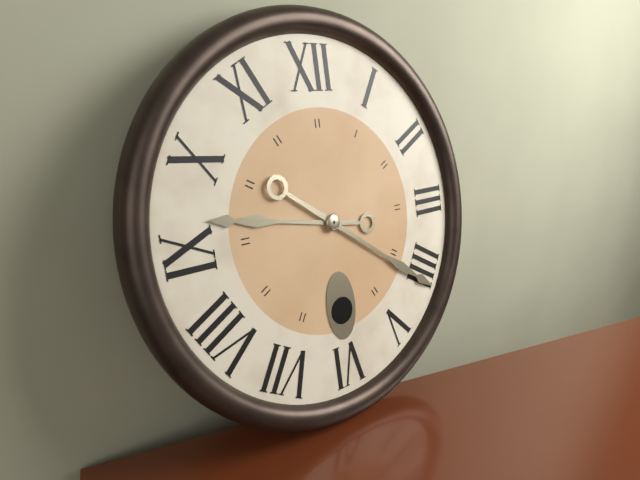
9:21
